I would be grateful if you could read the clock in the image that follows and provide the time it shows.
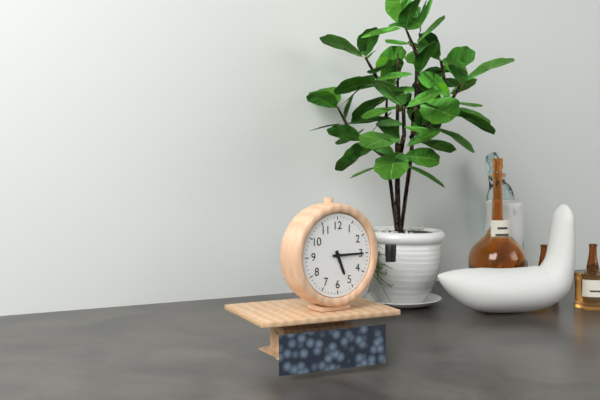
5:15
